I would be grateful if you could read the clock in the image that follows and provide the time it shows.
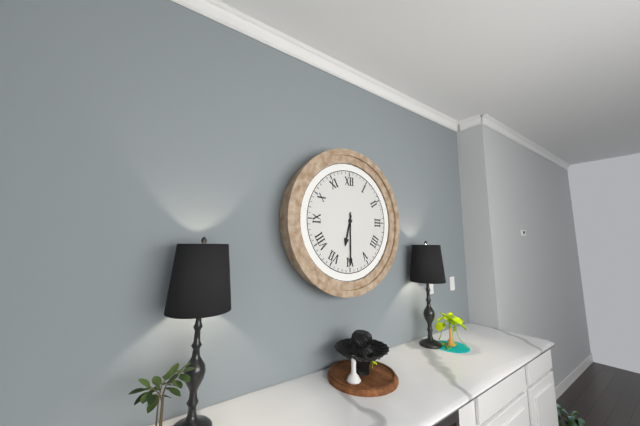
6:30
